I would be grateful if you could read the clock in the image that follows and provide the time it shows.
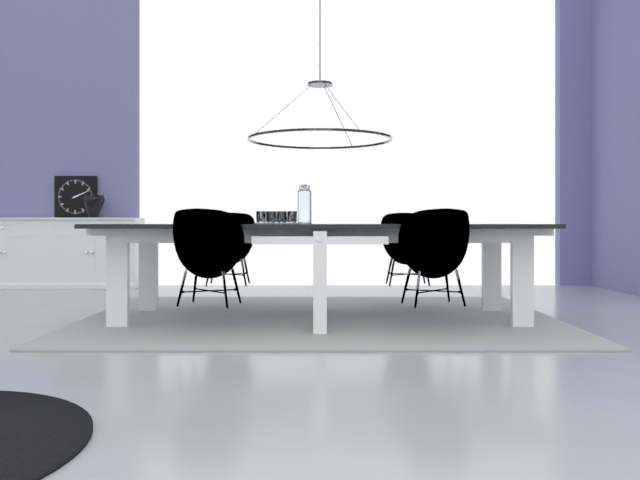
2:11
